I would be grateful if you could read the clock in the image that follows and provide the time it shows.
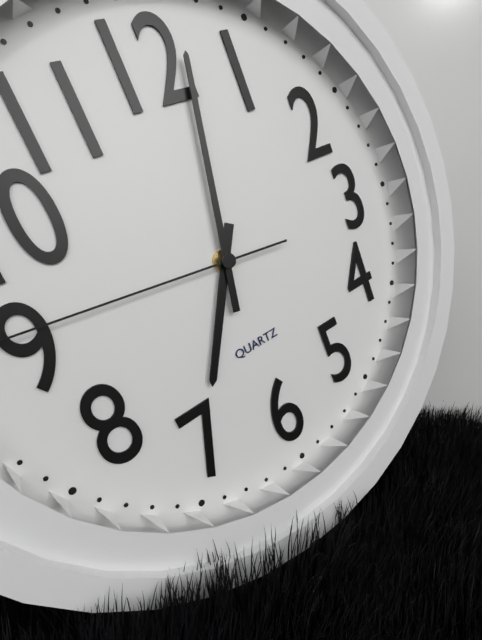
7:02
